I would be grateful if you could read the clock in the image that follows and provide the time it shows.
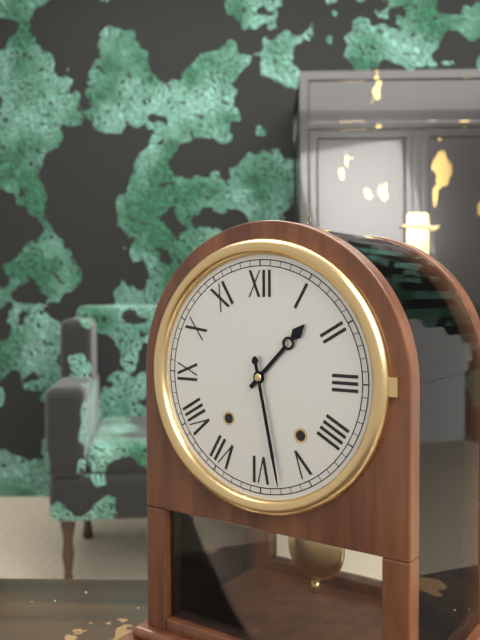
1:28
